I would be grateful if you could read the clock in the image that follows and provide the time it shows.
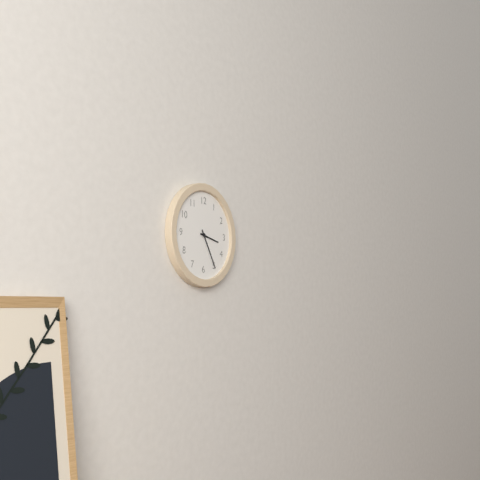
3:25
